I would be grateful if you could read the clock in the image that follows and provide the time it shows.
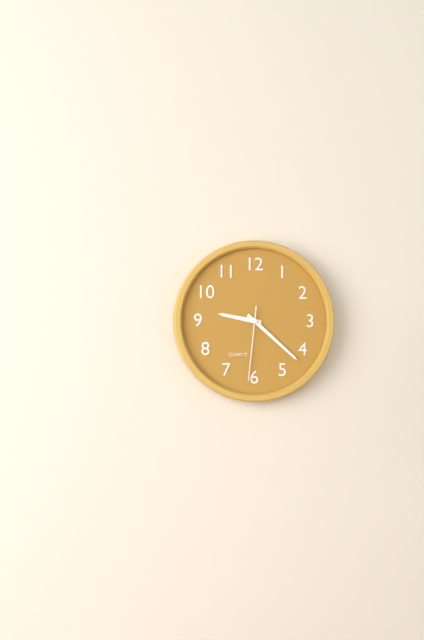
9:22:31
